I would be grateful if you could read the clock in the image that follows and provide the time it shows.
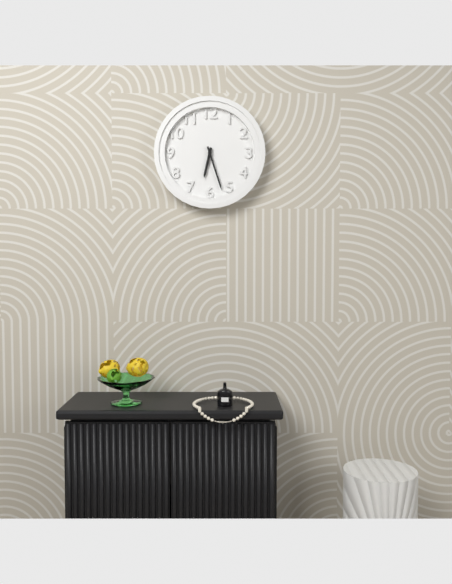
6:27
